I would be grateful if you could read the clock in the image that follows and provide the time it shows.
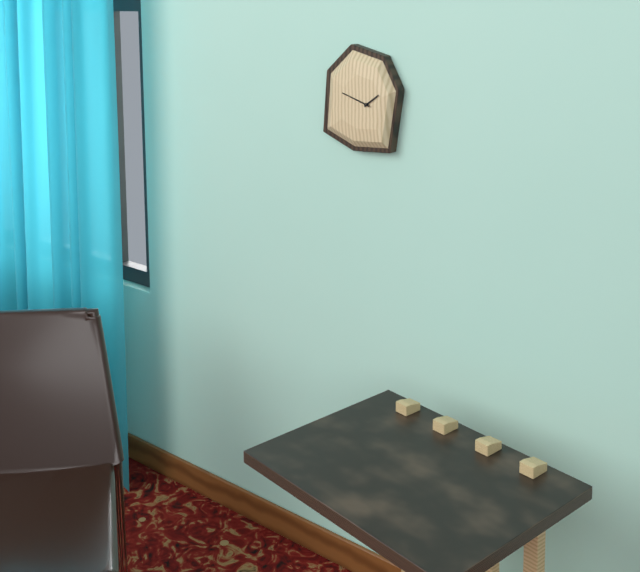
1:48
